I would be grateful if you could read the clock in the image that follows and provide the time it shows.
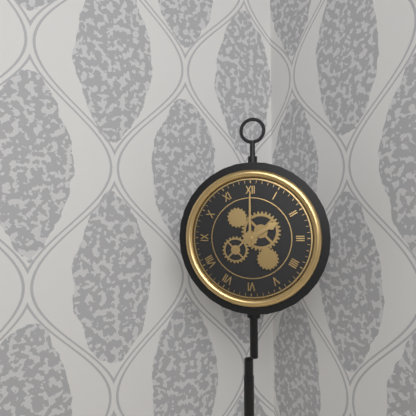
2:00
